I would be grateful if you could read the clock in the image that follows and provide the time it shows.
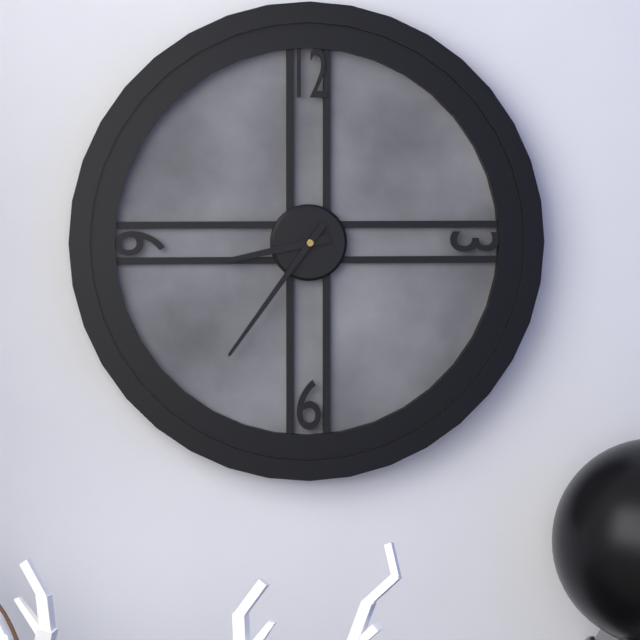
8:36
